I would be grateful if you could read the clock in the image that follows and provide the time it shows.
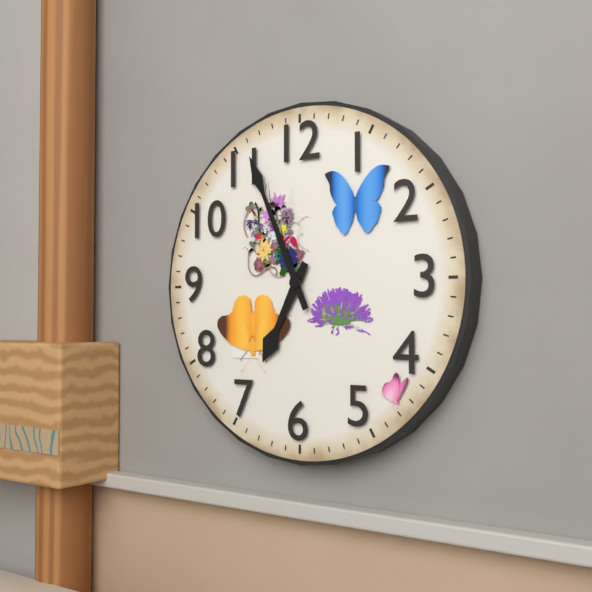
6:56
